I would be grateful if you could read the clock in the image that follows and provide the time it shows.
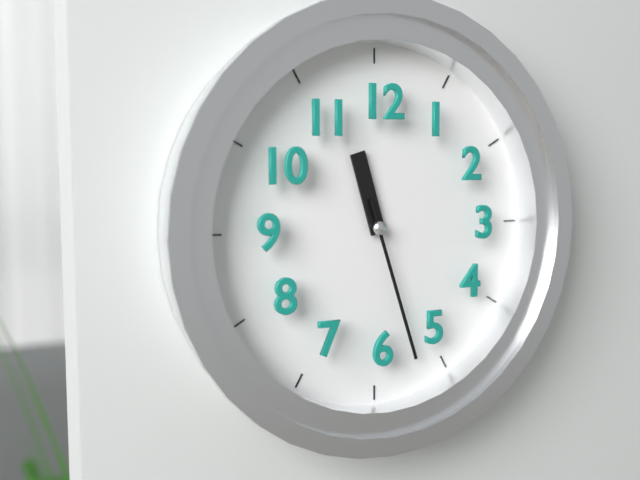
11:27
